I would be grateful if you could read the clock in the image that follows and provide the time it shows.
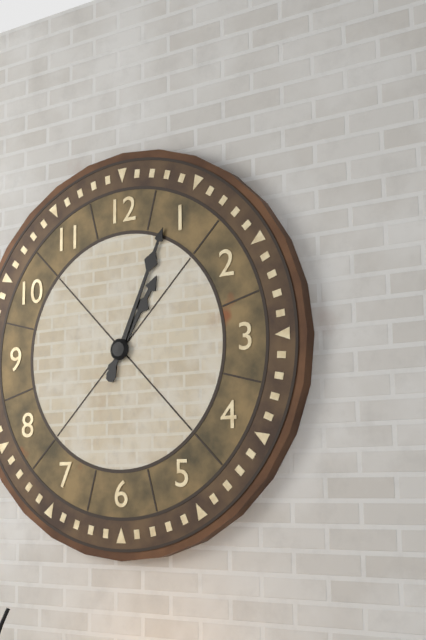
1:04
